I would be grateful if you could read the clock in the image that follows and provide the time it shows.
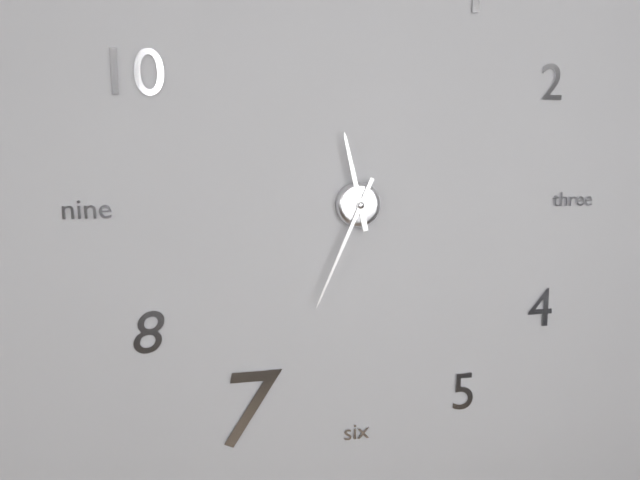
11:34
